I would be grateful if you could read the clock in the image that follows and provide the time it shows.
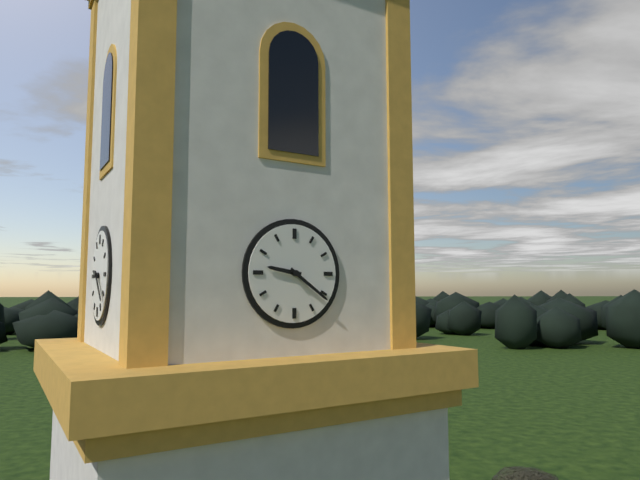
9:21
